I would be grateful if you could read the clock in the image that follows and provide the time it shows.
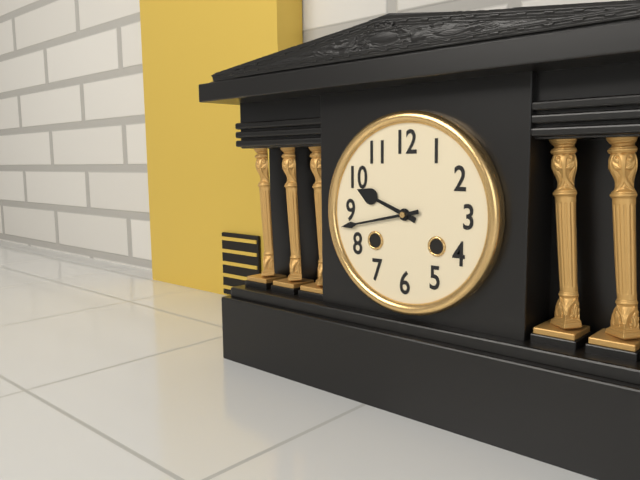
9:43
